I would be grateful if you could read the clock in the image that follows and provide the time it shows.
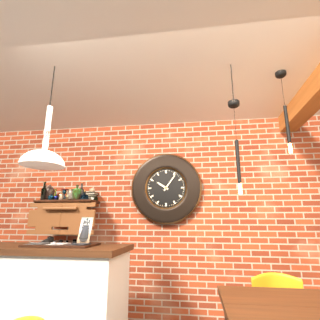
10:06
